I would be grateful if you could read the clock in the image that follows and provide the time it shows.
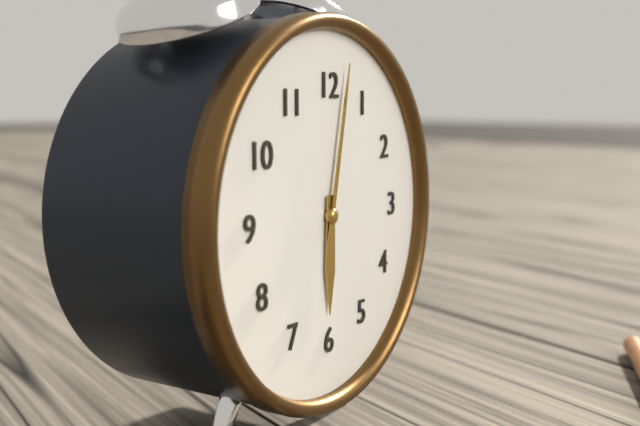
6:02
